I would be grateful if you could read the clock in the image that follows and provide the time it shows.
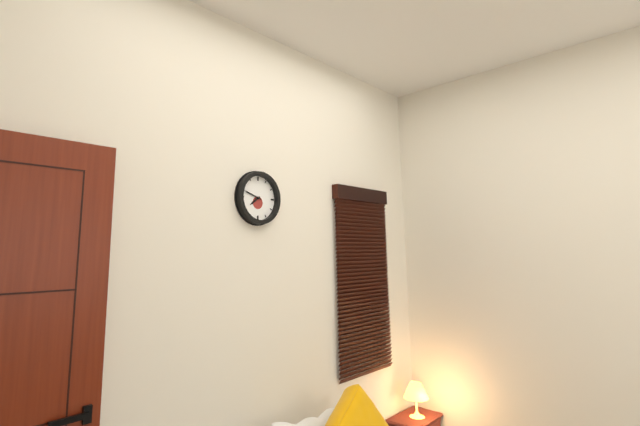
7:48
